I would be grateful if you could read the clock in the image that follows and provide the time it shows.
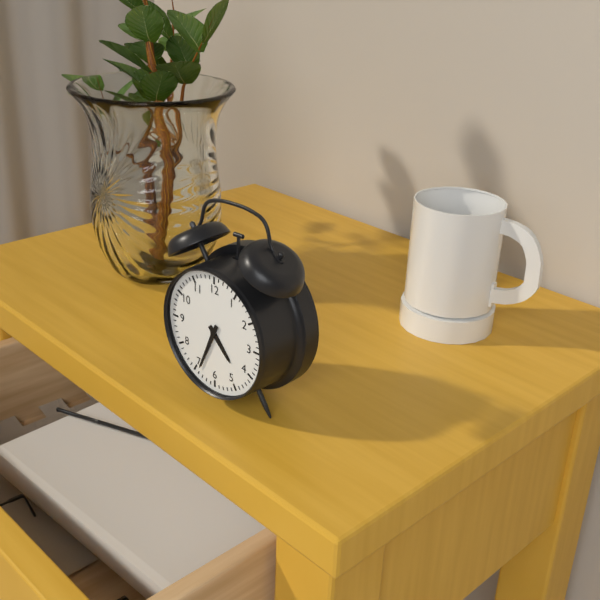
4:34
